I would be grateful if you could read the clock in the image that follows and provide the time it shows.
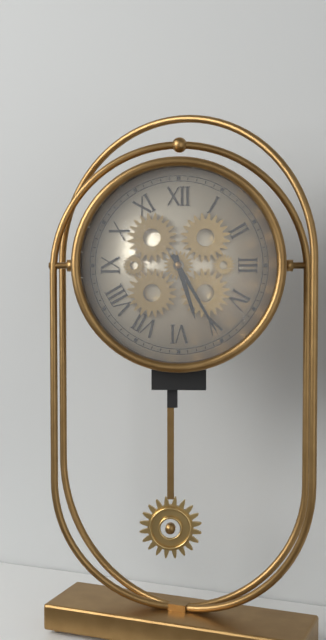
5:25
